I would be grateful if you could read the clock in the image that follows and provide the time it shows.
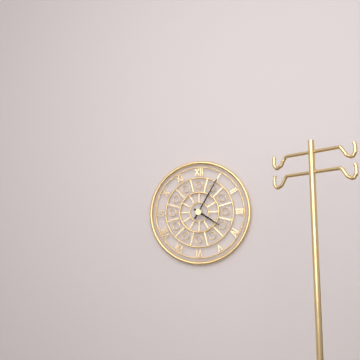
4:05
